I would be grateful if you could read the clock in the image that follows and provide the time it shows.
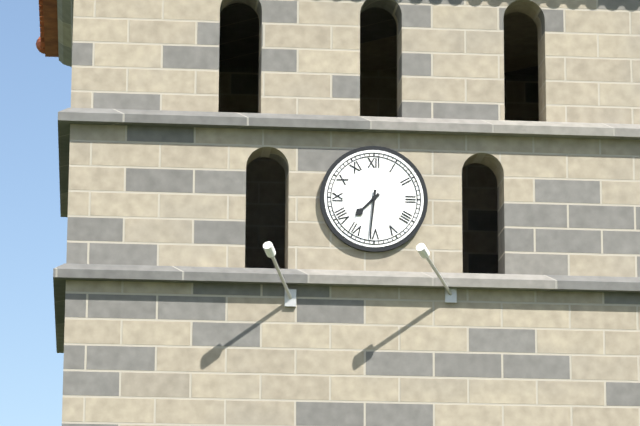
7:31
